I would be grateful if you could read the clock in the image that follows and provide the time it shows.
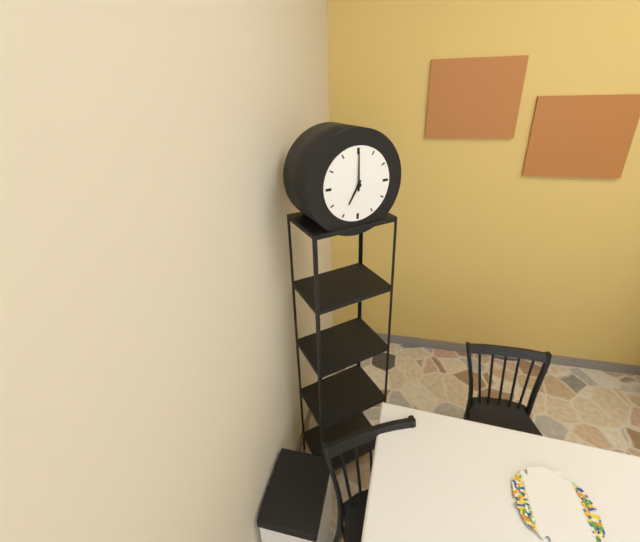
7:00
